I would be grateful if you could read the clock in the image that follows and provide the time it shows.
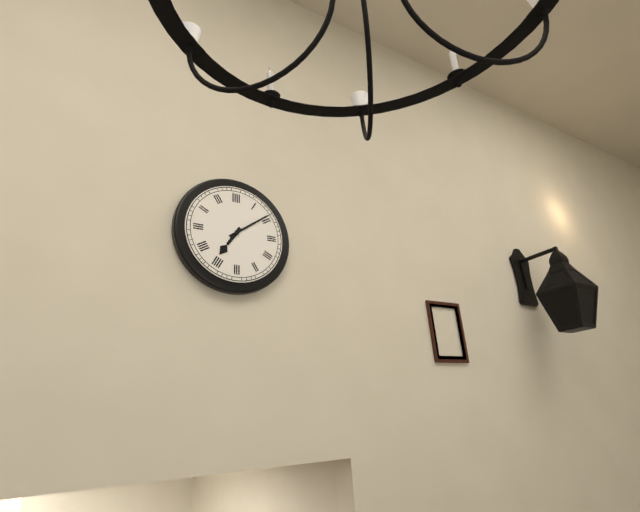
7:09
